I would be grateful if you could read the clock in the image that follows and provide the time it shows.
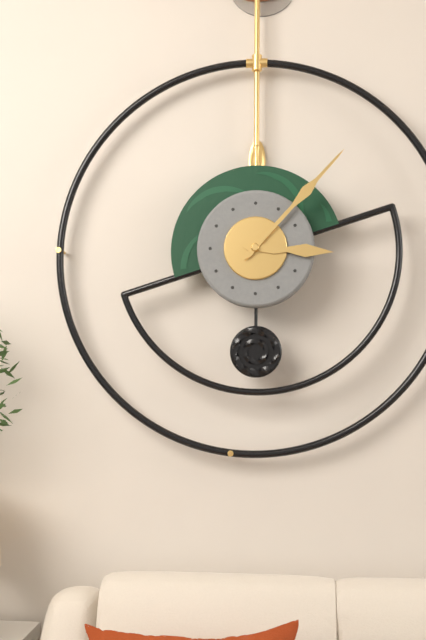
3:07
